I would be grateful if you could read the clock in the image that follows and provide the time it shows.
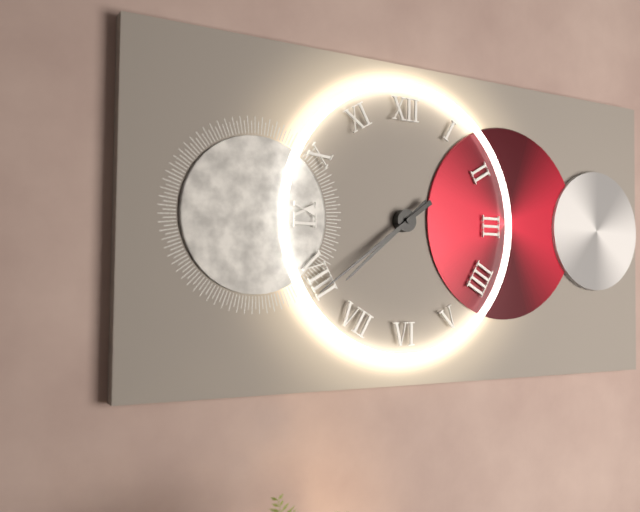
7:39
